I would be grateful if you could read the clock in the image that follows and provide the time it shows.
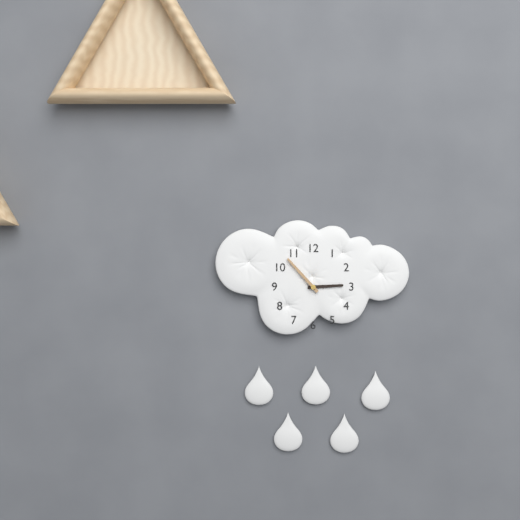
2:53
